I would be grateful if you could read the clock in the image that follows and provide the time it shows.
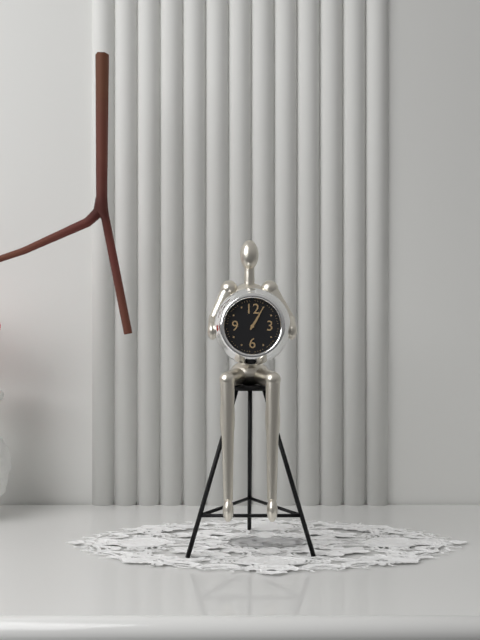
1:05
